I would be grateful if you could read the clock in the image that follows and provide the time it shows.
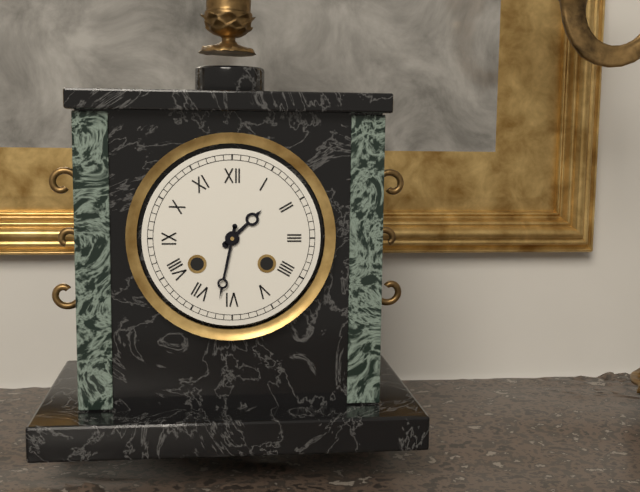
1:32
